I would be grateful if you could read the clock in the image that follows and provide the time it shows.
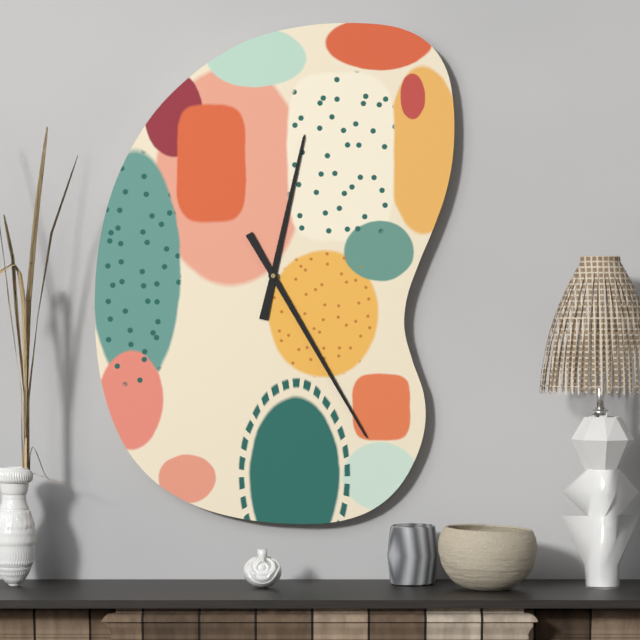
12:25
